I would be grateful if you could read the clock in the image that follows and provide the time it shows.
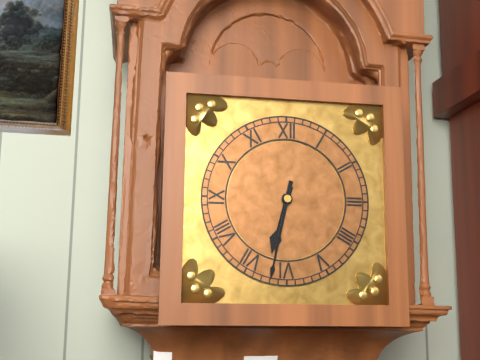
6:32
